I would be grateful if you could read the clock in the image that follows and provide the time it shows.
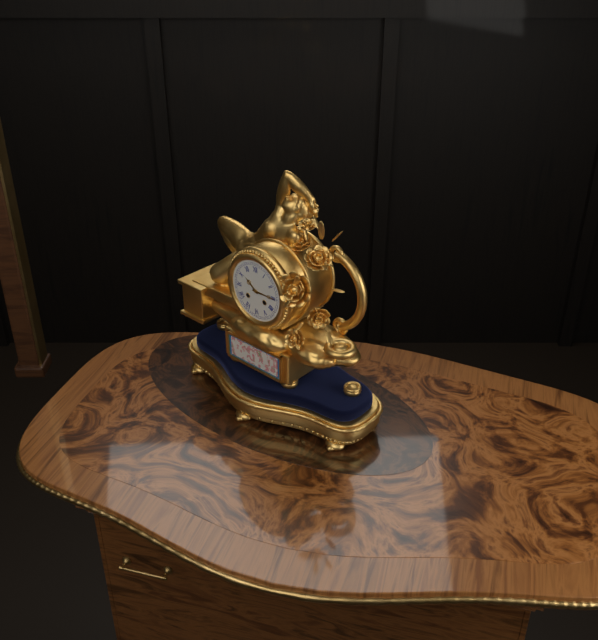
10:15
